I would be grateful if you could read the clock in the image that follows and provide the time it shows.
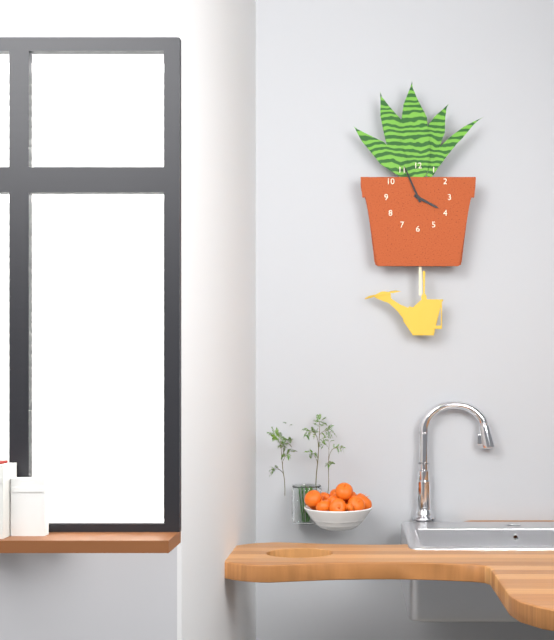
3:56
